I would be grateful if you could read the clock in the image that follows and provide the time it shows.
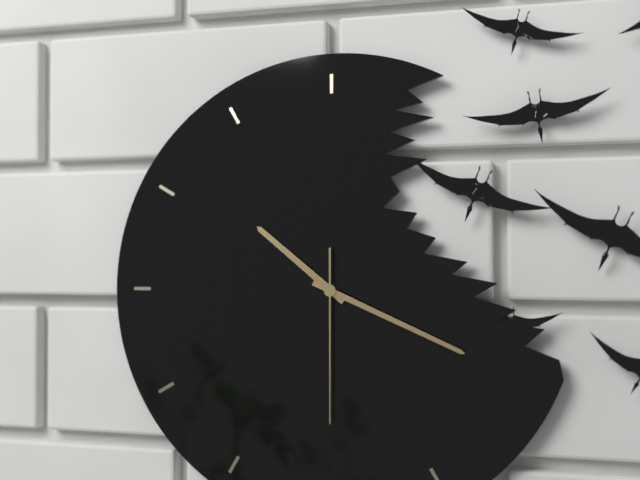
10:19:30
